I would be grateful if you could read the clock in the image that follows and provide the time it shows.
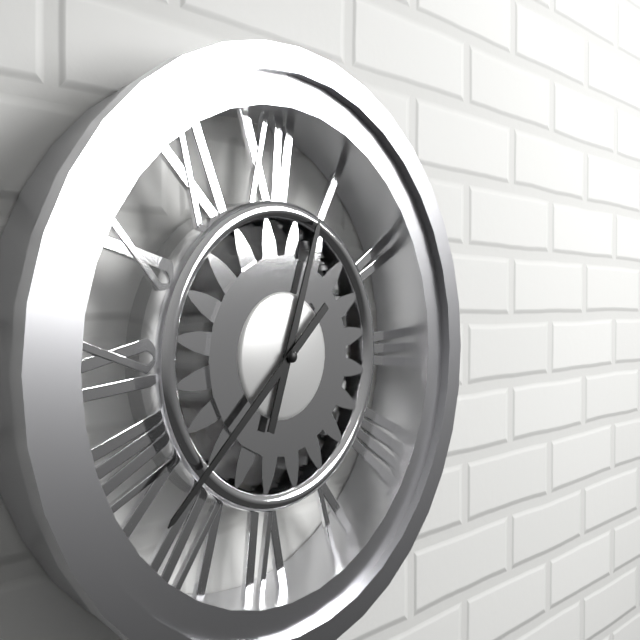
12:38
